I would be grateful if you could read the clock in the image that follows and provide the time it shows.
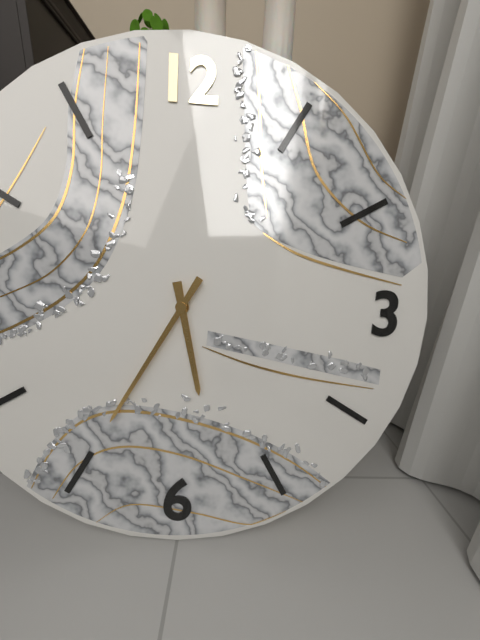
5:35
